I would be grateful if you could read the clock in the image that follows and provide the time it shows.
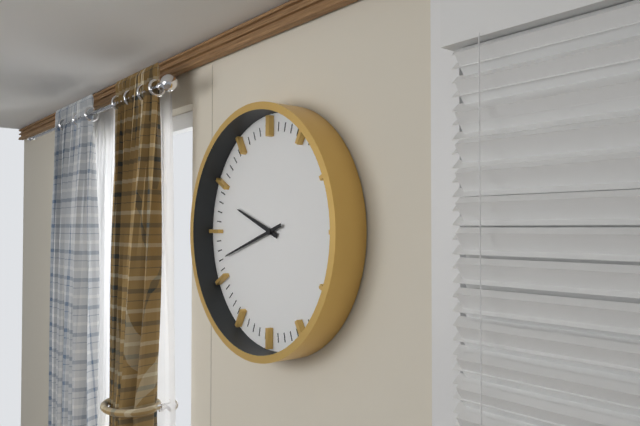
9:42
